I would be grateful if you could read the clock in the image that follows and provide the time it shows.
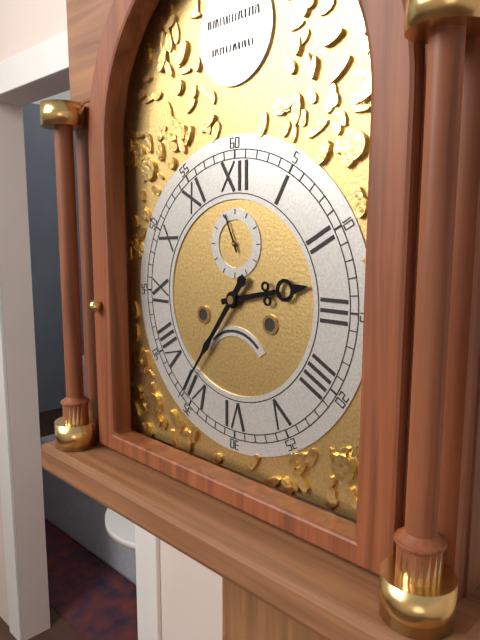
2:36
